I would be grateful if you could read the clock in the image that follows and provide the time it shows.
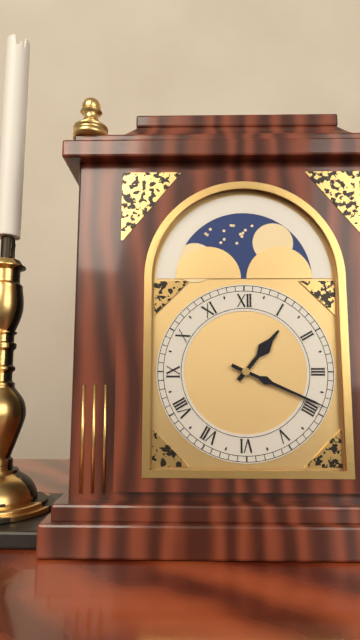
1:19
